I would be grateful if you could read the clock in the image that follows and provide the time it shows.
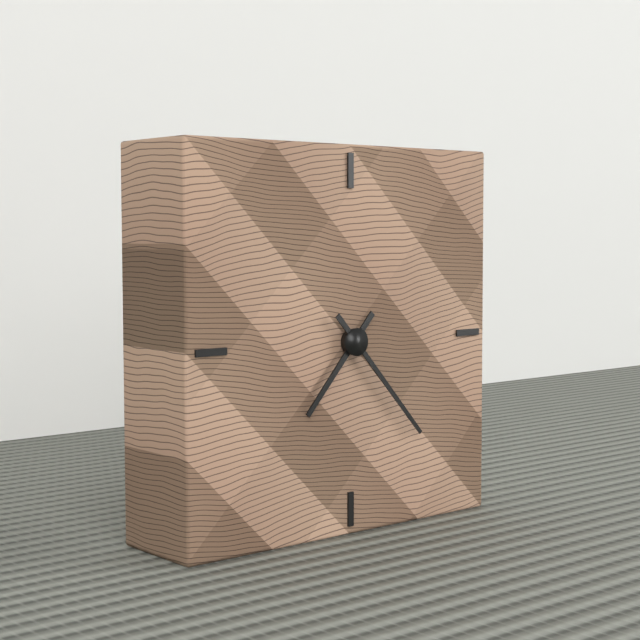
7:23
